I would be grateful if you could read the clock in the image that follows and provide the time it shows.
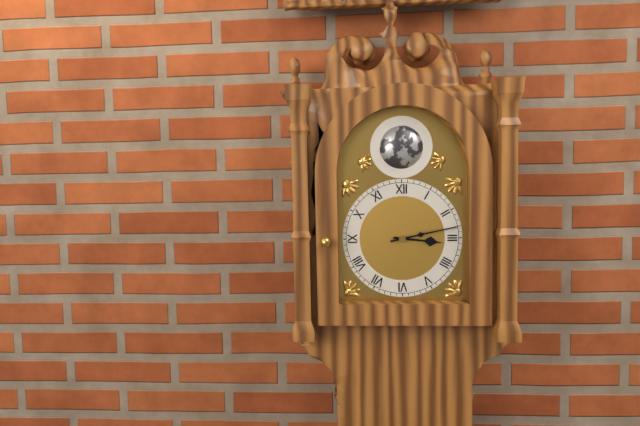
3:13
